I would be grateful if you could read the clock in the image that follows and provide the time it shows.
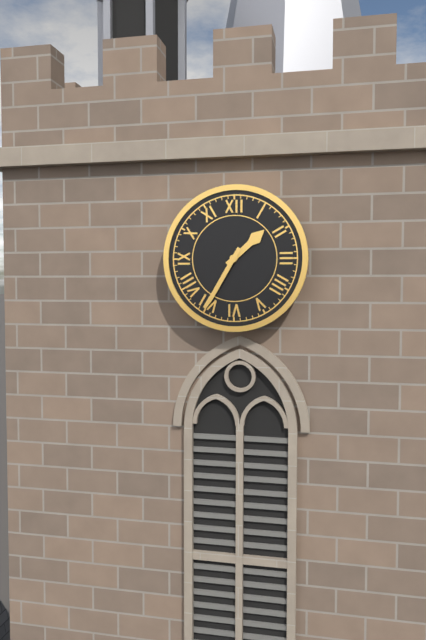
1:35
